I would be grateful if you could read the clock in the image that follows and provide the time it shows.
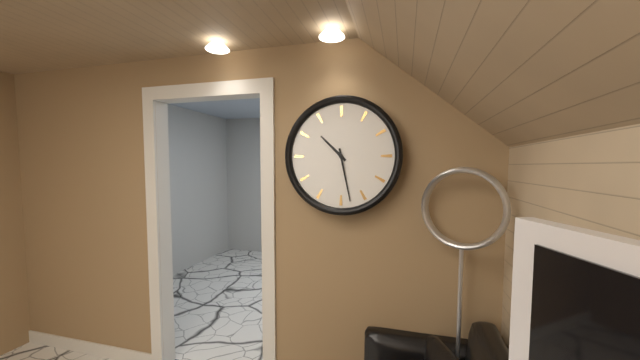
10:28
